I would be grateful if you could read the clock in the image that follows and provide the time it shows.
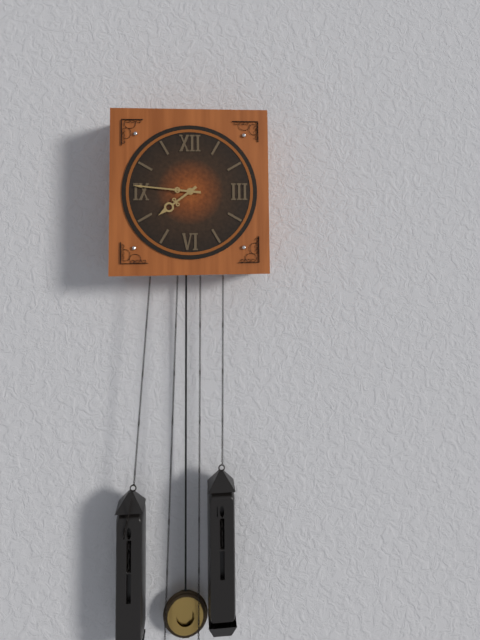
7:46
